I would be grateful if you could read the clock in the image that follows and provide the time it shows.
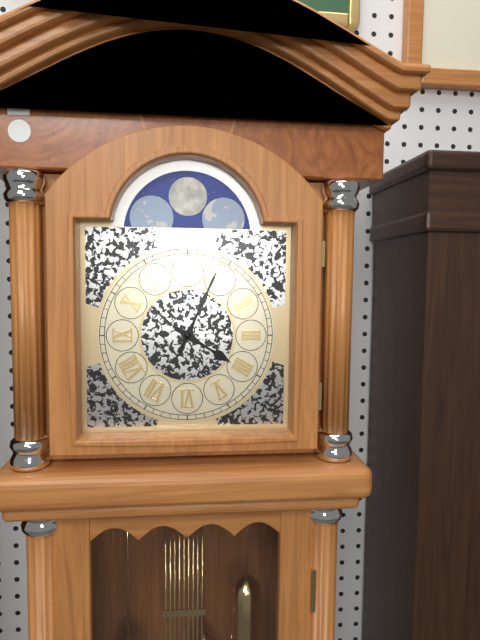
4:04
